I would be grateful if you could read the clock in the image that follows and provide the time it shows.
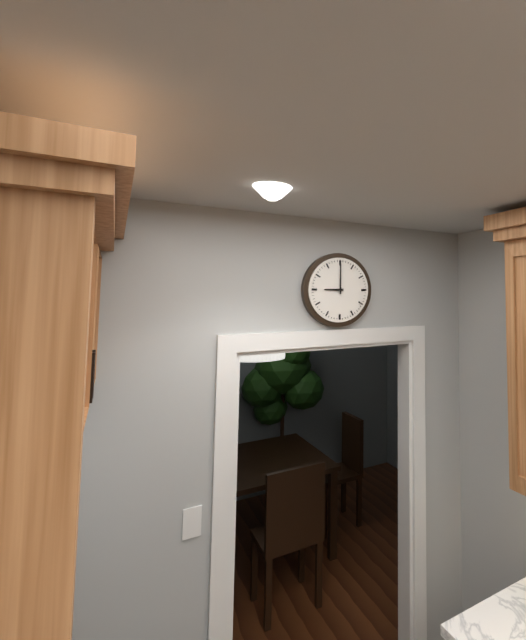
9:00
